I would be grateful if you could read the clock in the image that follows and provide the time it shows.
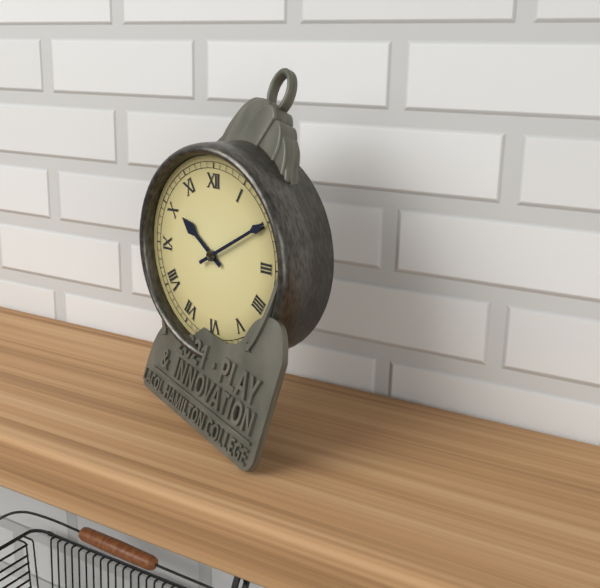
10:10
